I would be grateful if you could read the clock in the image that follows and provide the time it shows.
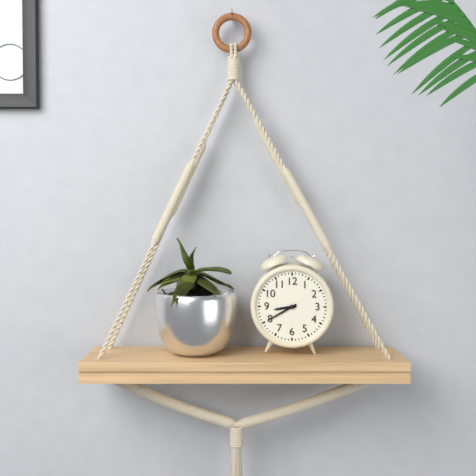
8:40
